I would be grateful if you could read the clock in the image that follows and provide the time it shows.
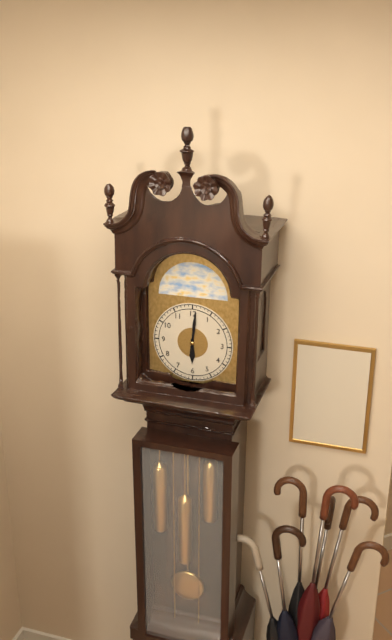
6:01
